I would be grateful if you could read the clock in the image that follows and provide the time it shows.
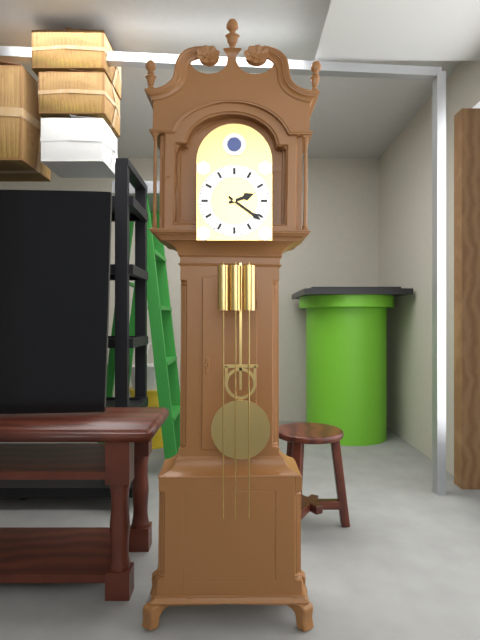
2:21
